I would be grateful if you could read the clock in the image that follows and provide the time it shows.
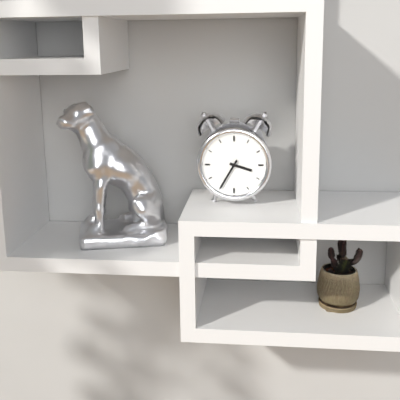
3:35
